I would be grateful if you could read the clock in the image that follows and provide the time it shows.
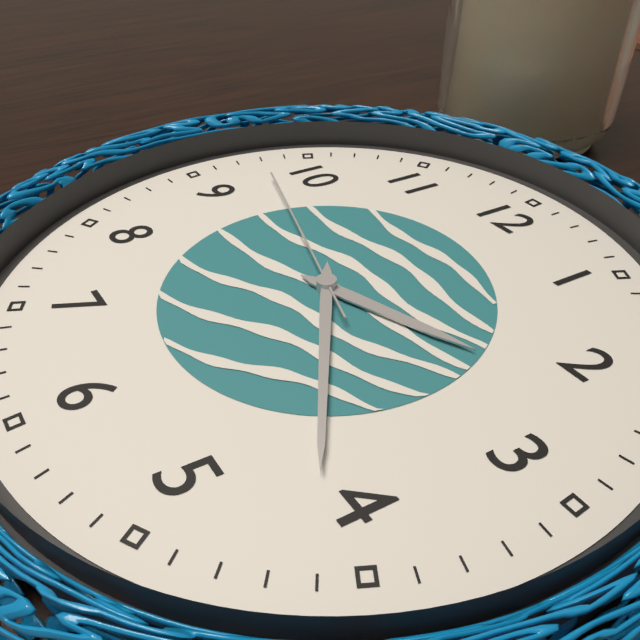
2:21:48
